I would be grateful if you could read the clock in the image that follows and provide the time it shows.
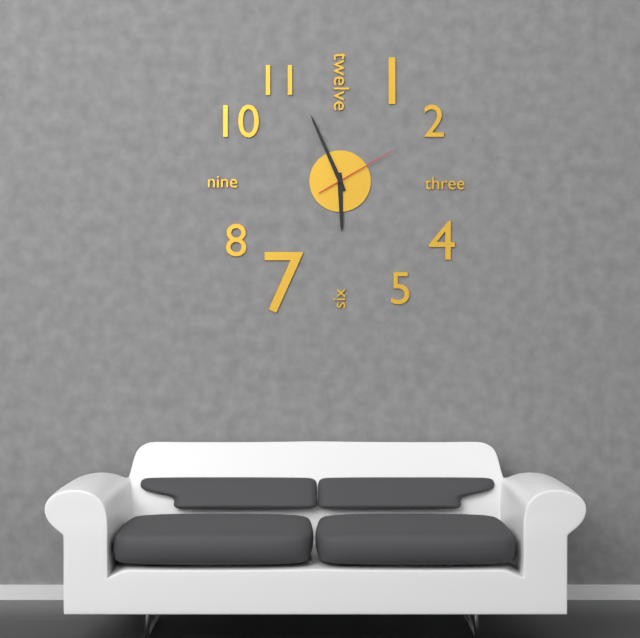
5:56:10
